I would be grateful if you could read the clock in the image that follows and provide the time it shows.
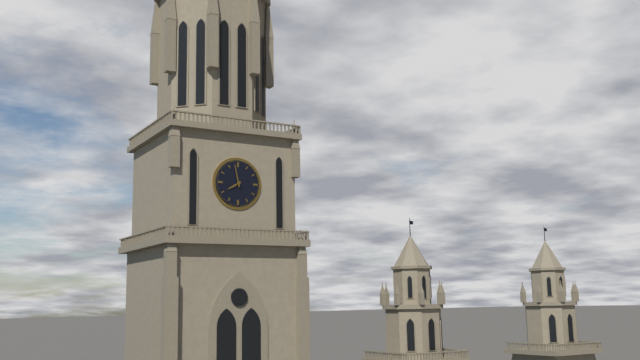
7:58
